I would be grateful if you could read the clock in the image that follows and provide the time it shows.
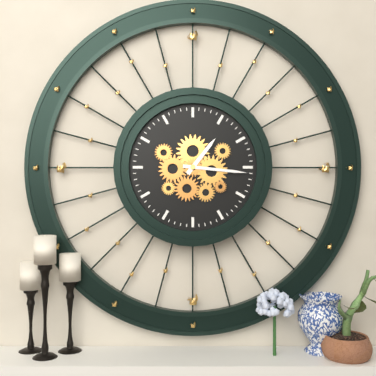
1:16
